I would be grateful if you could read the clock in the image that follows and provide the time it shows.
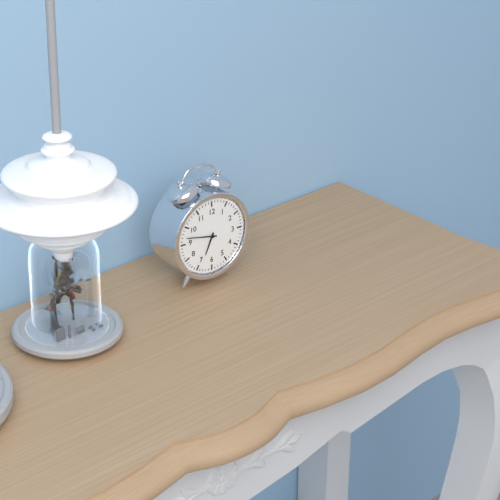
6:47
